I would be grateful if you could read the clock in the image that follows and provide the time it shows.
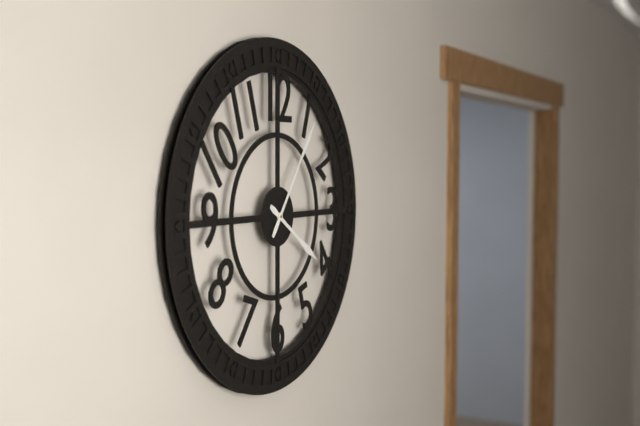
4:06
